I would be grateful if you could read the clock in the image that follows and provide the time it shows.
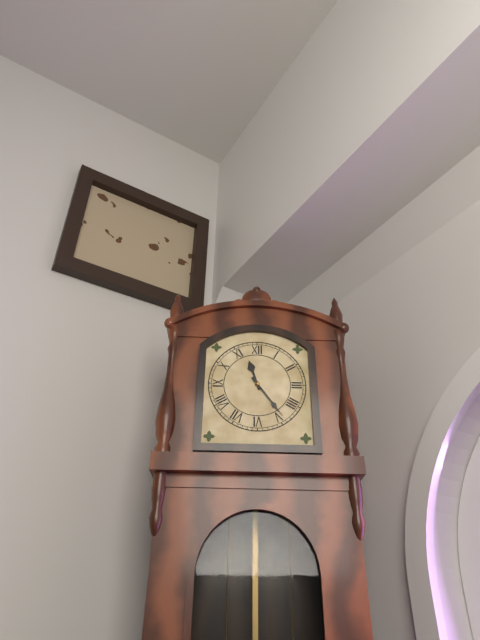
11:24
